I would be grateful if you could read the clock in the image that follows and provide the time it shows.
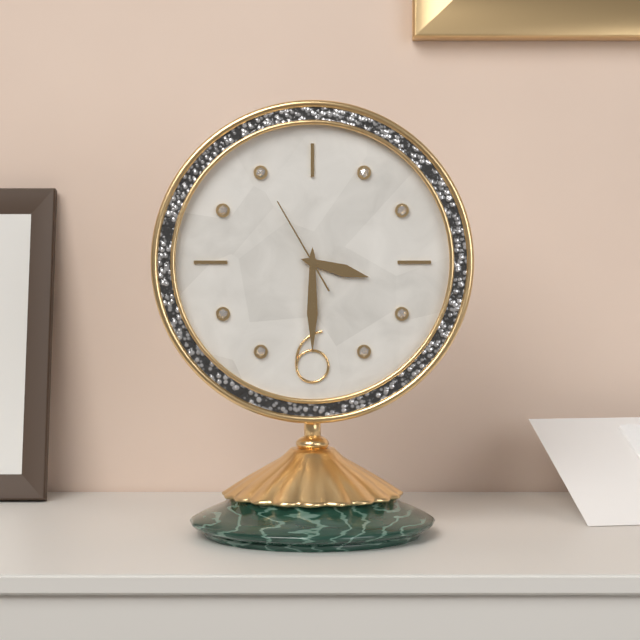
3:30:55
